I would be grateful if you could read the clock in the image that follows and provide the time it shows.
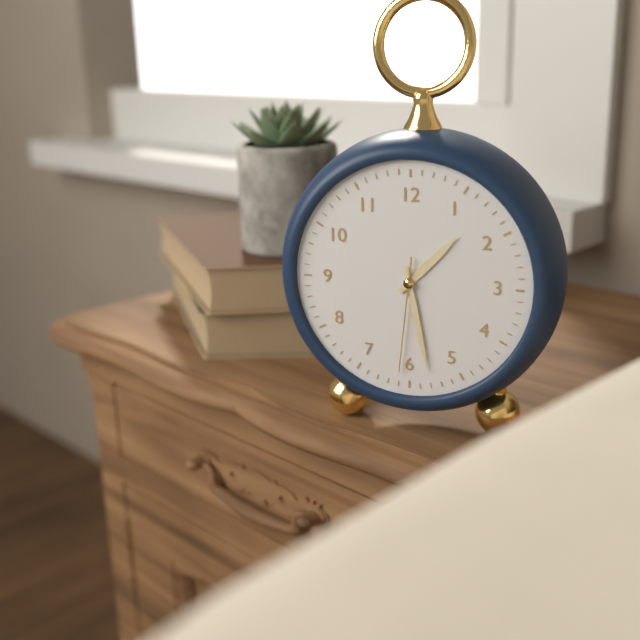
1:28:31
